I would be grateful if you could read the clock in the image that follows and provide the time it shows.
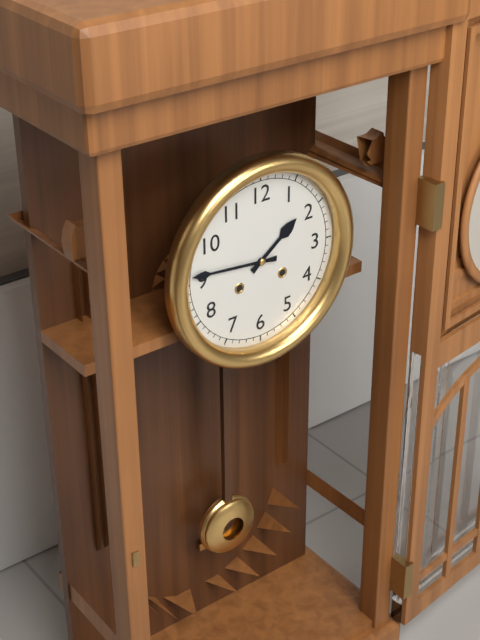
1:46
